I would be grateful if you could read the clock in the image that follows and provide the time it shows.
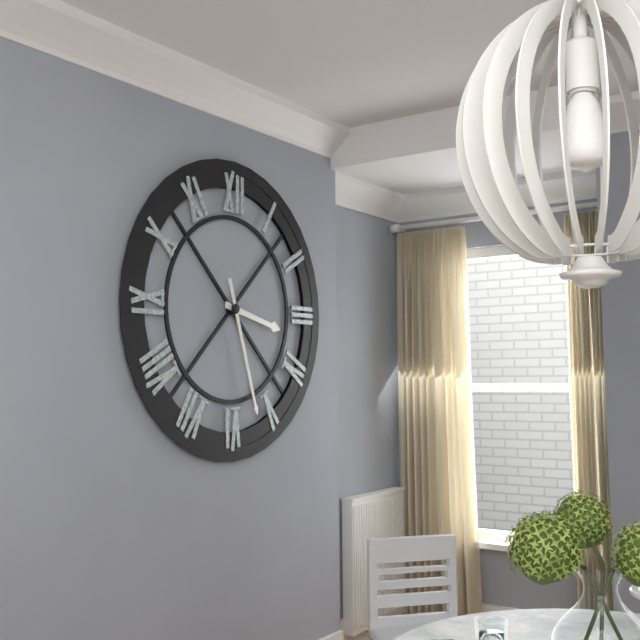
3:27
